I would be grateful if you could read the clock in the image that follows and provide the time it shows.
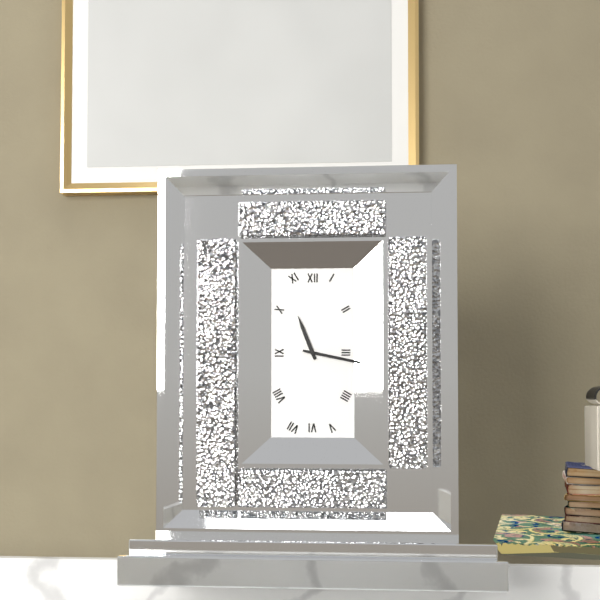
11:17
